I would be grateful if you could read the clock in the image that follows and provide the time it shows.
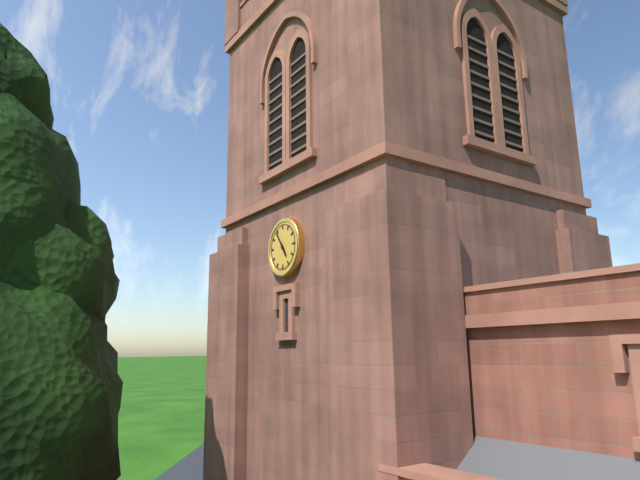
4:54
